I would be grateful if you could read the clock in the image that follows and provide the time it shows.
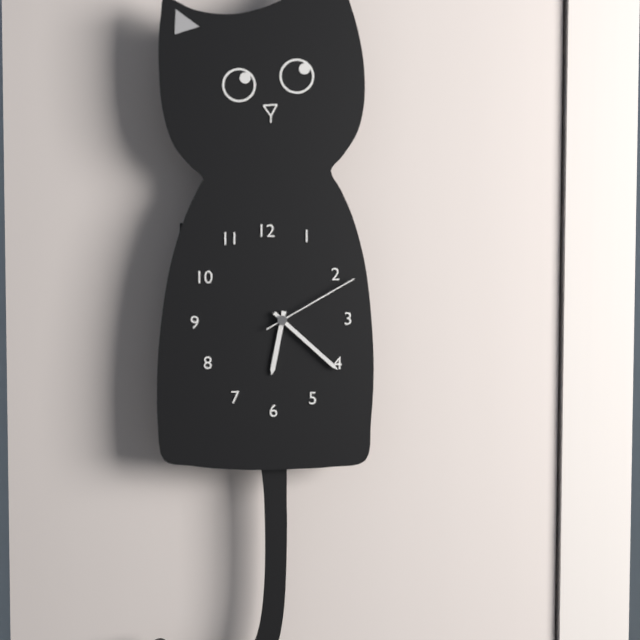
6:22:10
